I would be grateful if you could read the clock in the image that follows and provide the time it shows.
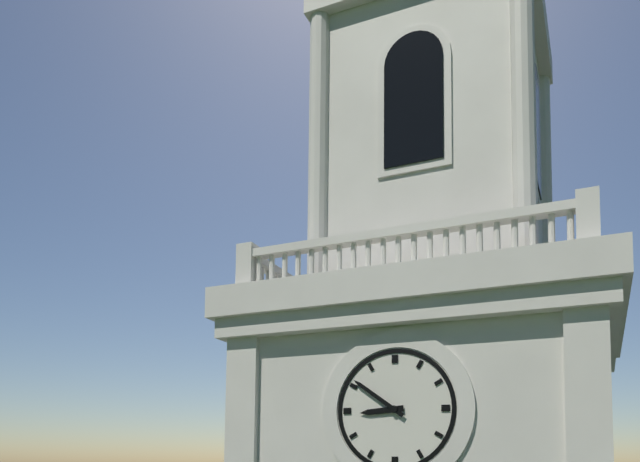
8:51
